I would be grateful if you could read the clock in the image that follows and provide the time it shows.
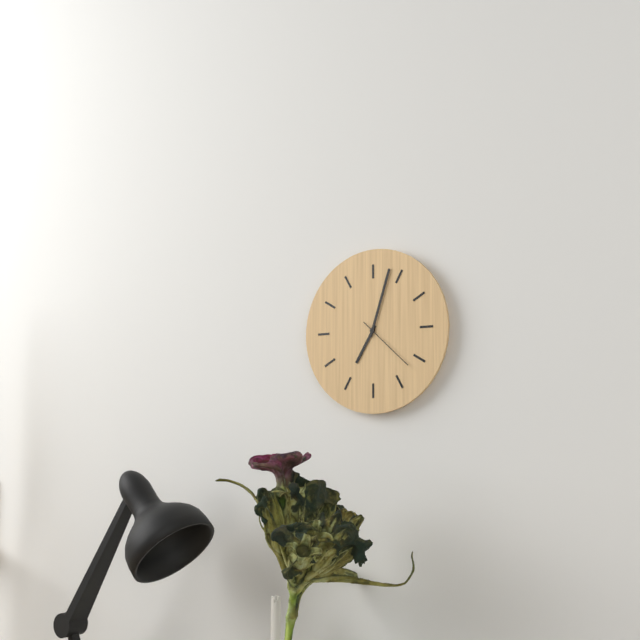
7:03:22
